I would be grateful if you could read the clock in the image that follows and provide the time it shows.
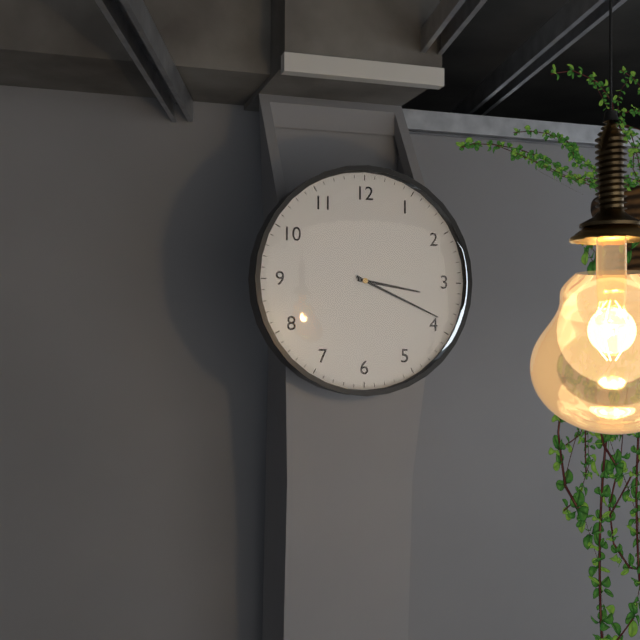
3:19
